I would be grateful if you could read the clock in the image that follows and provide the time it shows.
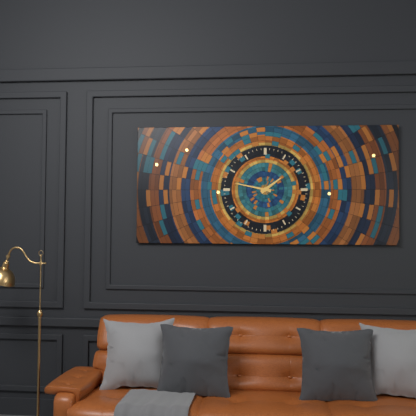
1:47
